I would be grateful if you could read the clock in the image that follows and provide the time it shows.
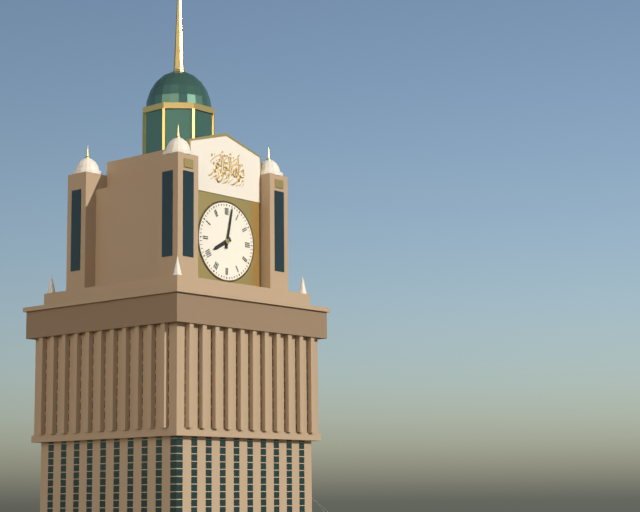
8:02
